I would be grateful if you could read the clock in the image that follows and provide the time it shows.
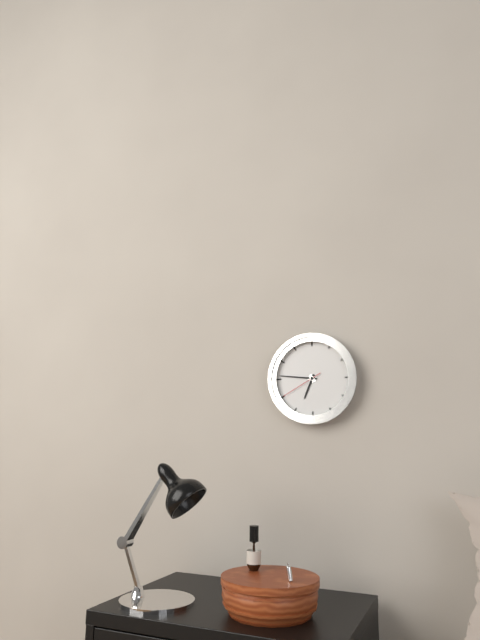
6:46
